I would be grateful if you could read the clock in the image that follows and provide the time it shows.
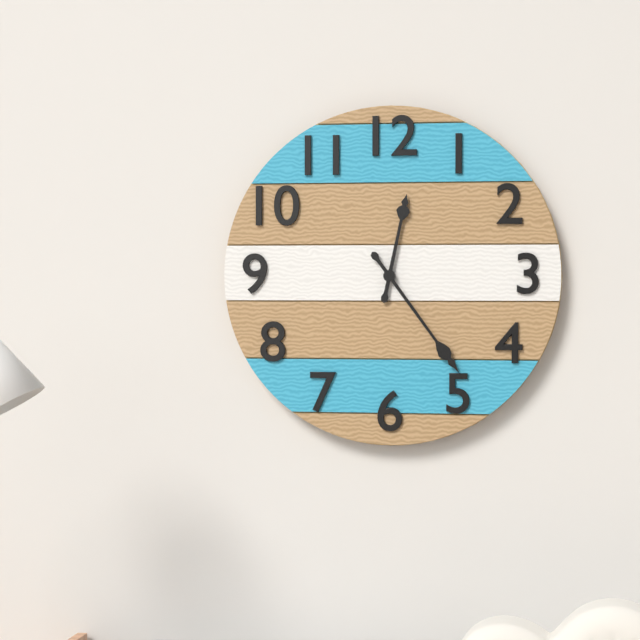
12:24
